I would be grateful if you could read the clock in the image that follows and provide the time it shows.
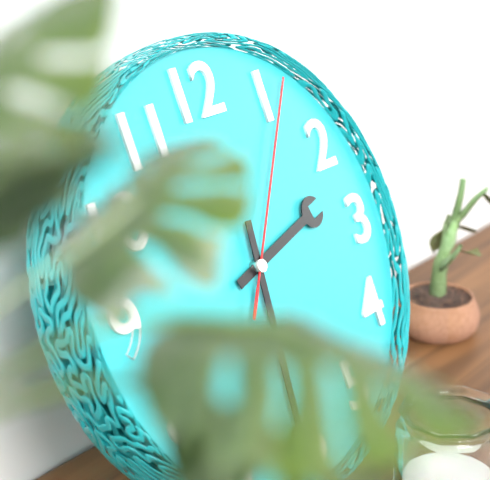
2:31:06
